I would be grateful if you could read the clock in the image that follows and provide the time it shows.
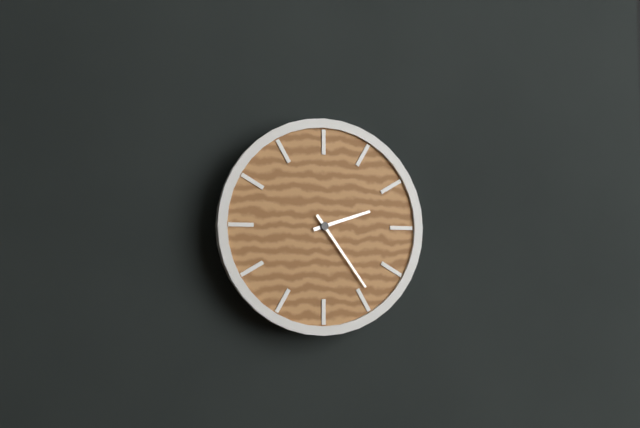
2:24
